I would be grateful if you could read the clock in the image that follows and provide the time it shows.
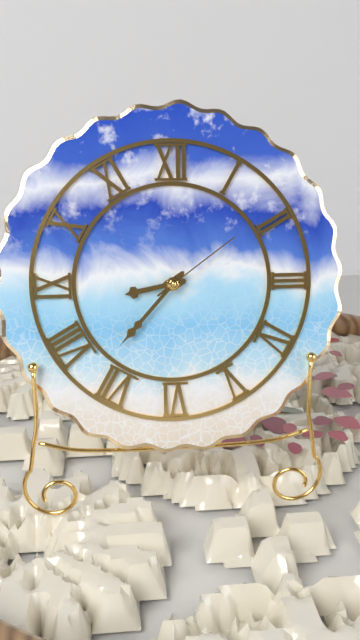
8:37:09
